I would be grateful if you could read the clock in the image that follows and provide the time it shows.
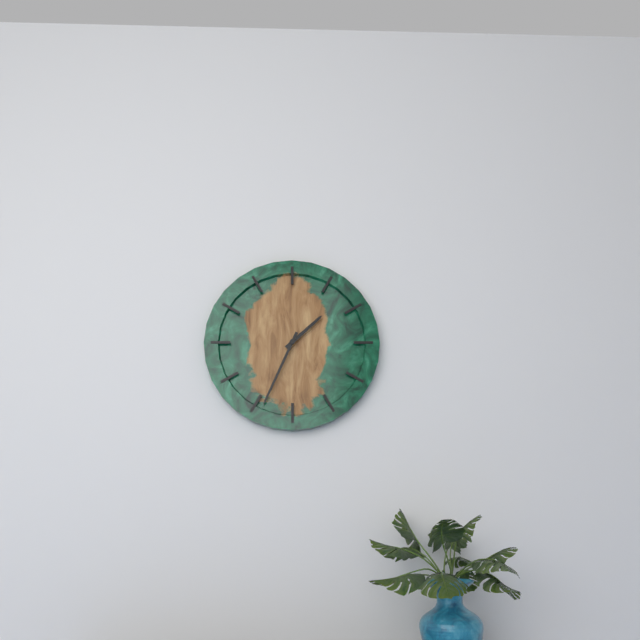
1:34
